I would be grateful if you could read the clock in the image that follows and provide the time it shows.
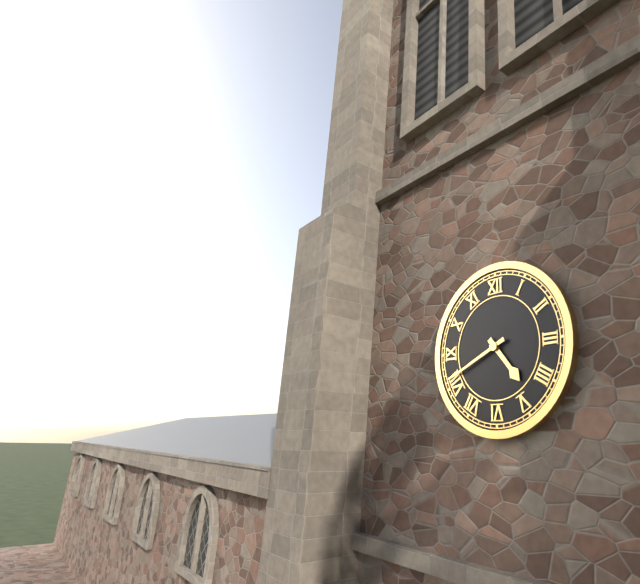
4:41
